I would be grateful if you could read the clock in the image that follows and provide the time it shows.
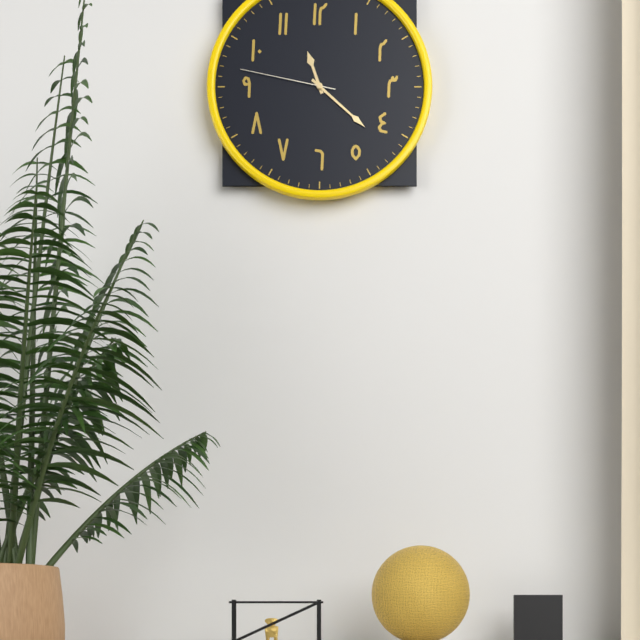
11:22:47
